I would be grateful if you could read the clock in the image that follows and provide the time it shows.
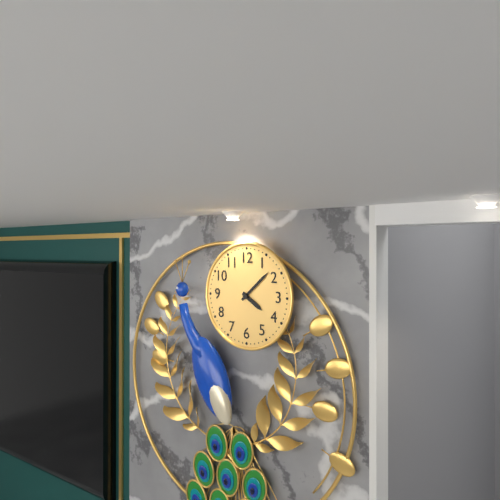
4:08
